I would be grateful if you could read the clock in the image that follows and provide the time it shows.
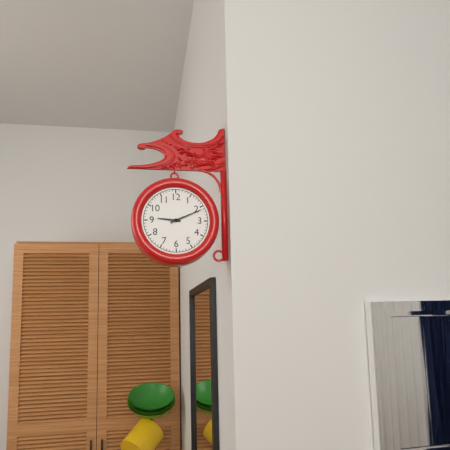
9:11
